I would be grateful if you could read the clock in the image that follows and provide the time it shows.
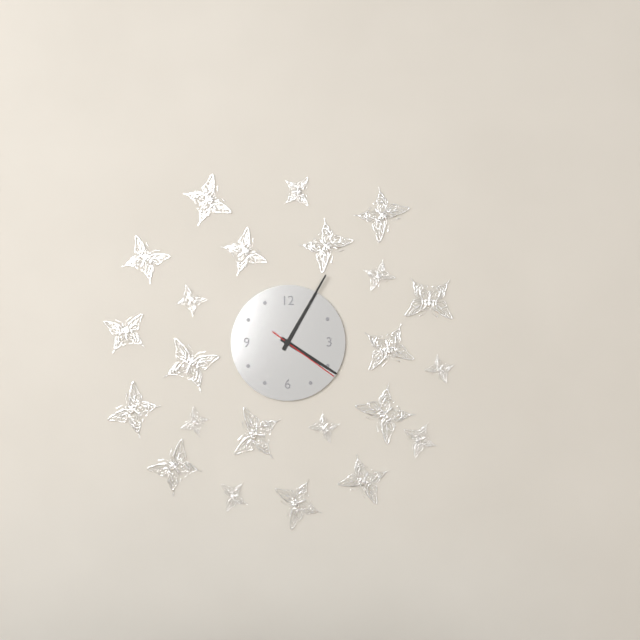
4:05:21
